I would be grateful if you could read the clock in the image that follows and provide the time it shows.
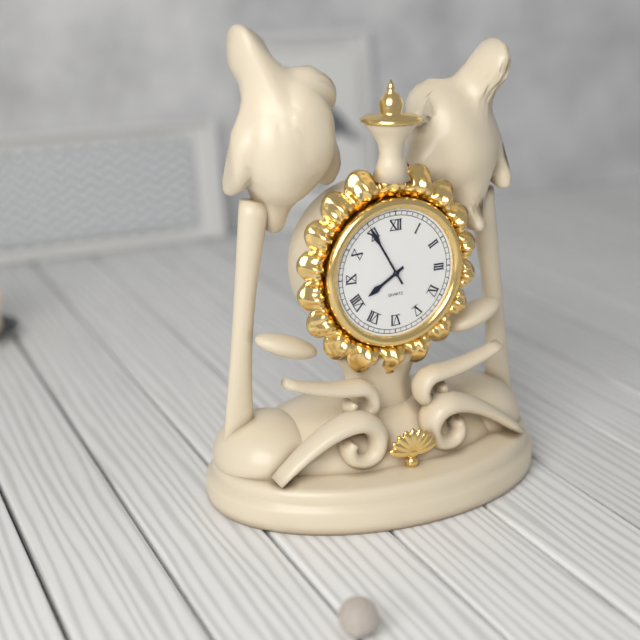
7:55
